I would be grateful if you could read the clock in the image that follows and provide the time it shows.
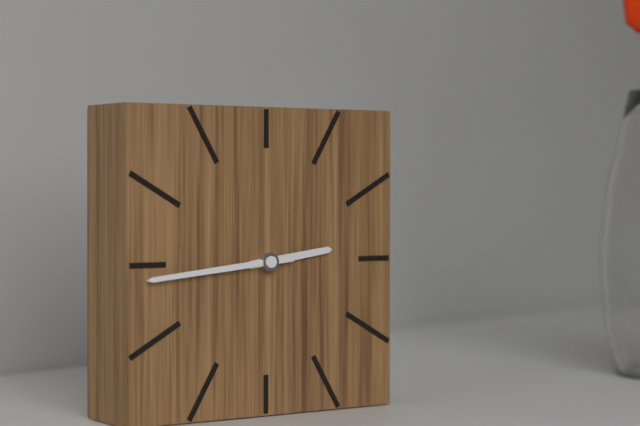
2:44
